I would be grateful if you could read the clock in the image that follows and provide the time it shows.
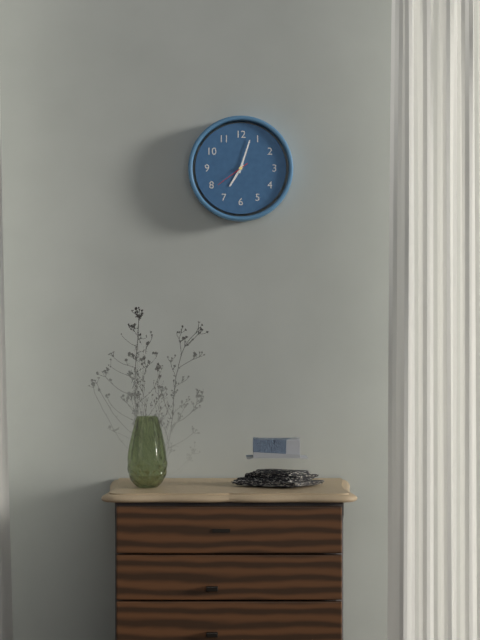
7:03
